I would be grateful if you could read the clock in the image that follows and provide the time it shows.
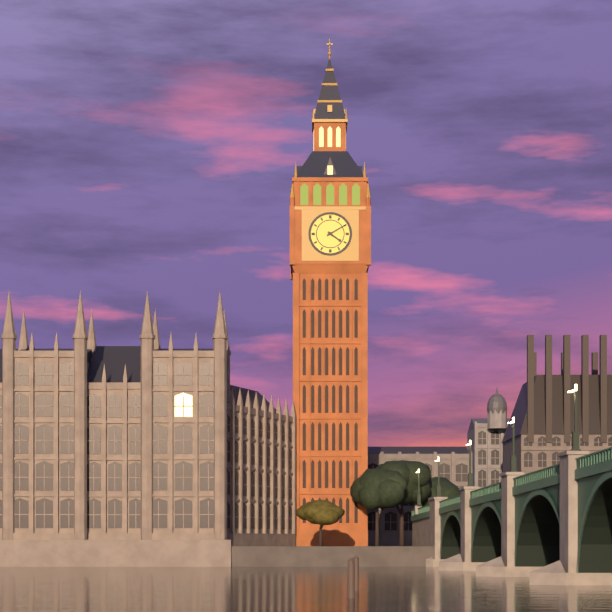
4:10
